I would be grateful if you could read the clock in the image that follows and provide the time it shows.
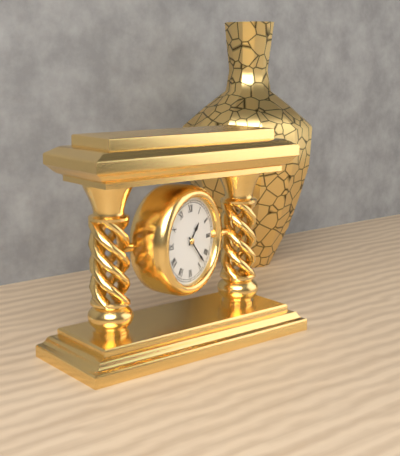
1:23
